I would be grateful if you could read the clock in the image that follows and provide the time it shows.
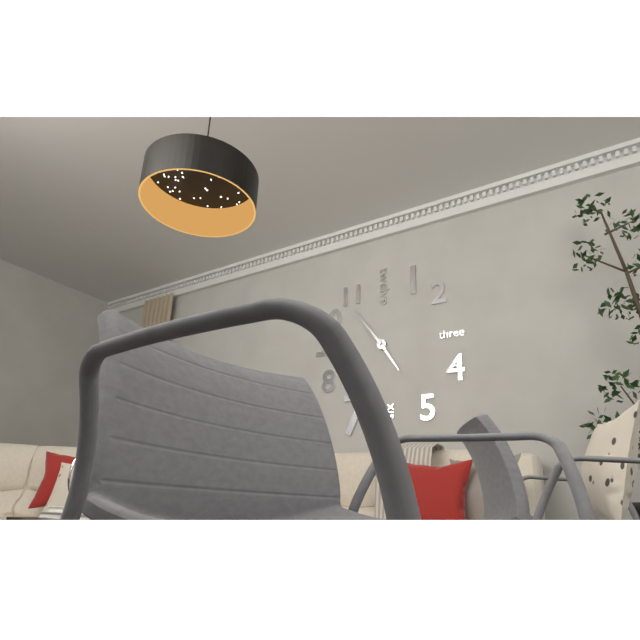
4:54
